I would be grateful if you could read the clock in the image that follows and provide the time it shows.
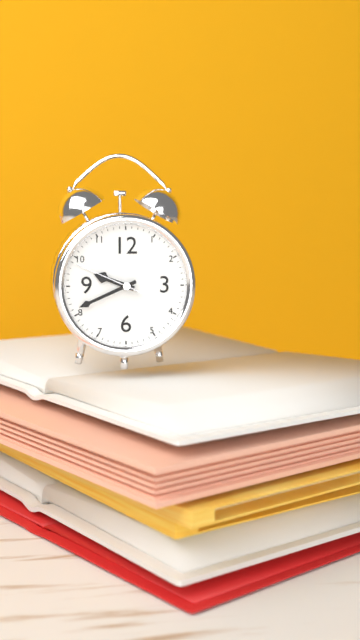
9:41:49
